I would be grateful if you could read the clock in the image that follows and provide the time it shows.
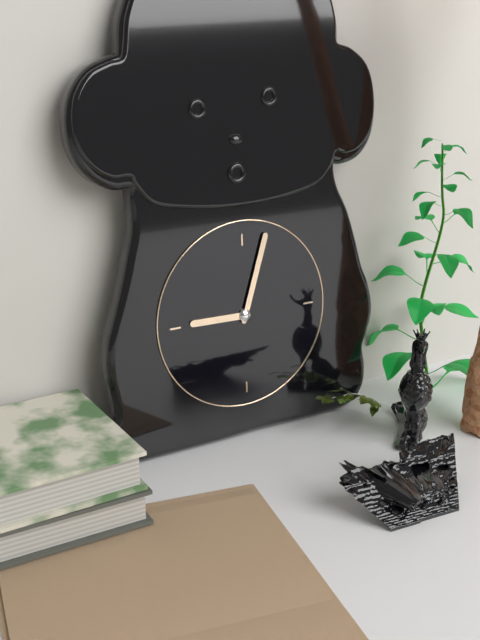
9:03
